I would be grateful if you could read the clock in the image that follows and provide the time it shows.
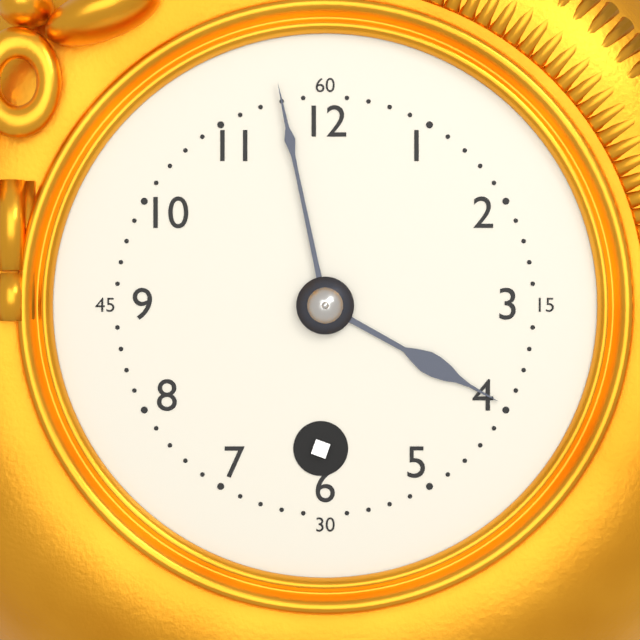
3:58
